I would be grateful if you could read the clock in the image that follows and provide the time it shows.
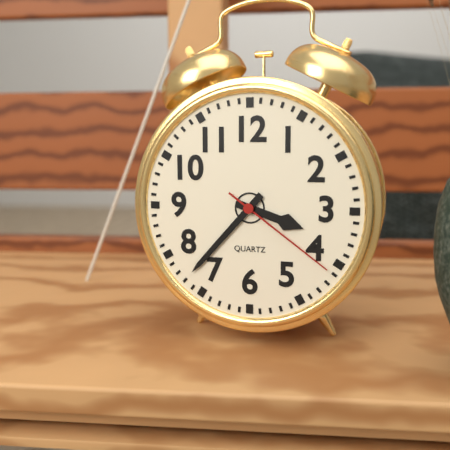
3:37:21
